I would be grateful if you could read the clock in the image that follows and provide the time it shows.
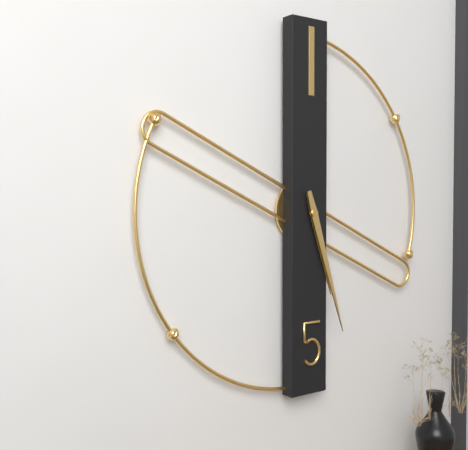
5:27
